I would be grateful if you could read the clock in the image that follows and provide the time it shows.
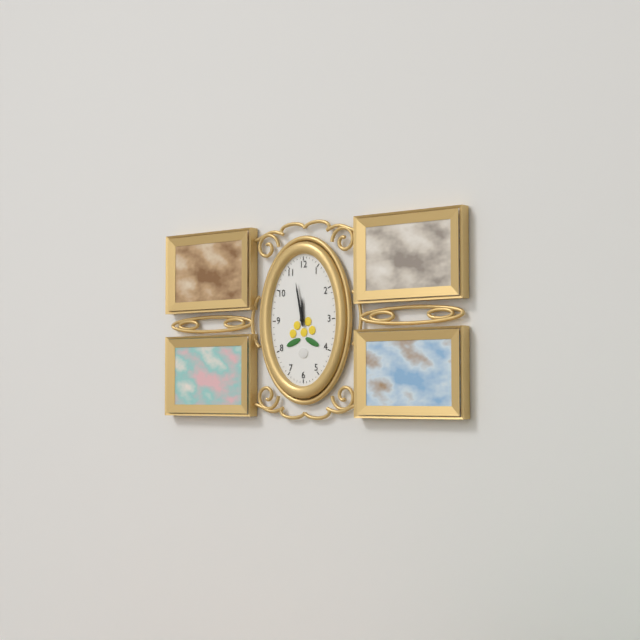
11:58
